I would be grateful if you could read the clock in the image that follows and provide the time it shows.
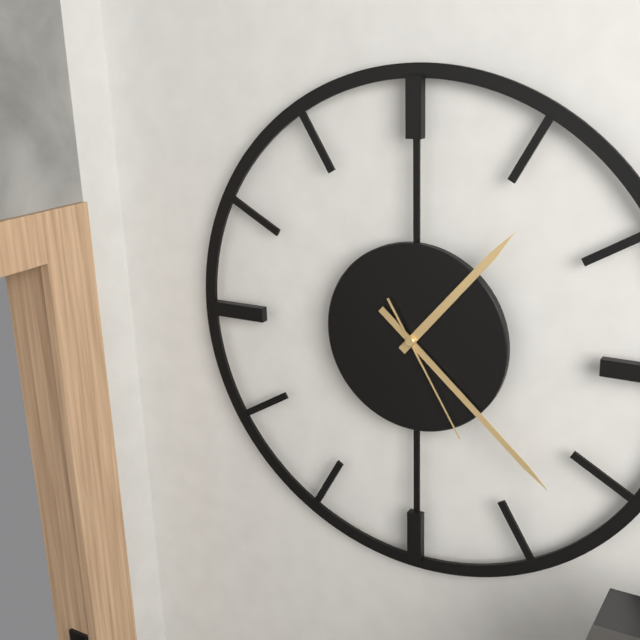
1:22:25
